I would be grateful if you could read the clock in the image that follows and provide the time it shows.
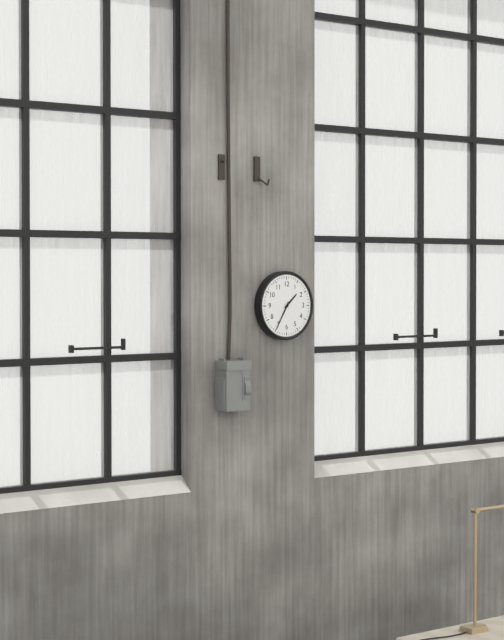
1:35
